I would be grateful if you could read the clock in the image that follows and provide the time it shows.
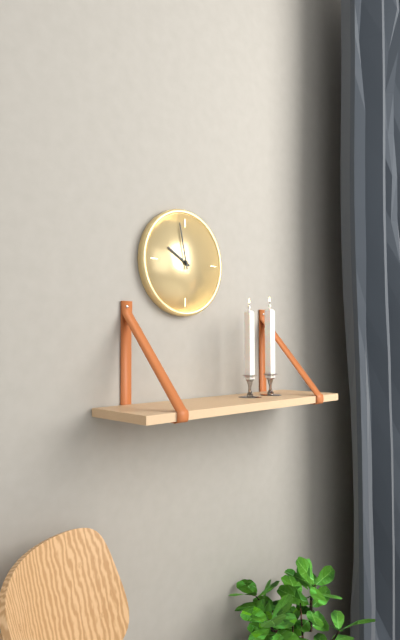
9:58
